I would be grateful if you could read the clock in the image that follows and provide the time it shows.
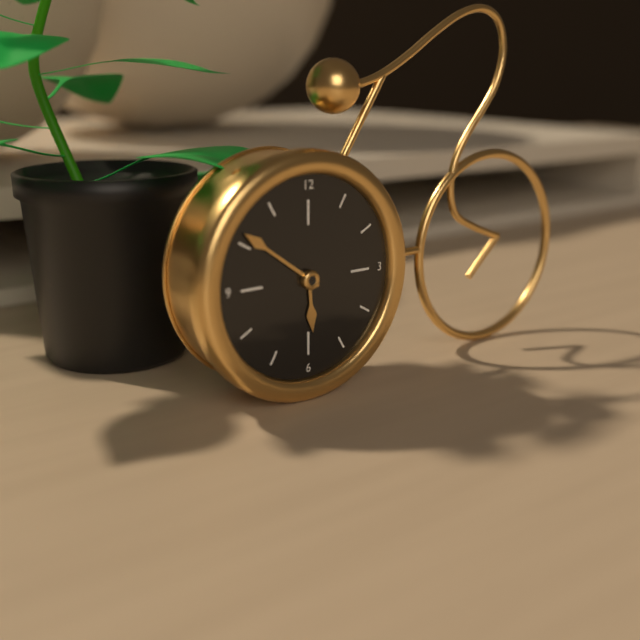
5:51
